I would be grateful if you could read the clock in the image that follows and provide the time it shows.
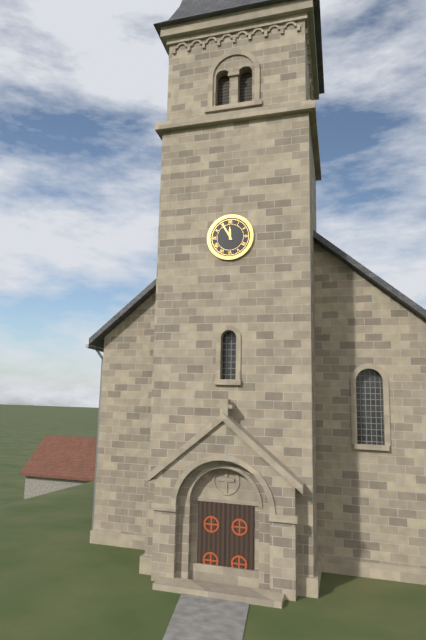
11:55
